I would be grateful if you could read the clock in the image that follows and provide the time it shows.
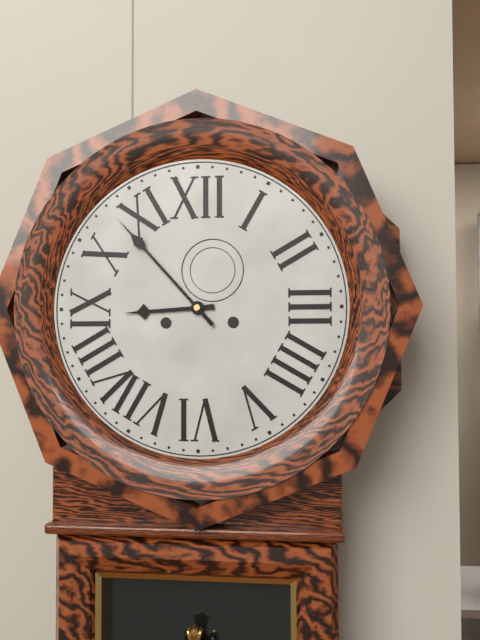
8:53
